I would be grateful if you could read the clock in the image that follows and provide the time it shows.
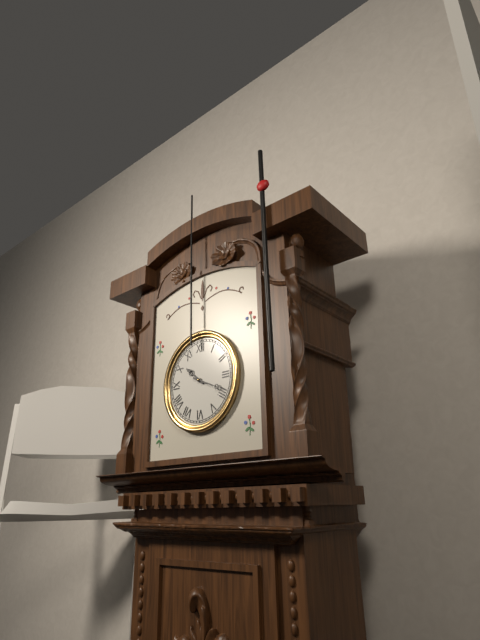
10:19
